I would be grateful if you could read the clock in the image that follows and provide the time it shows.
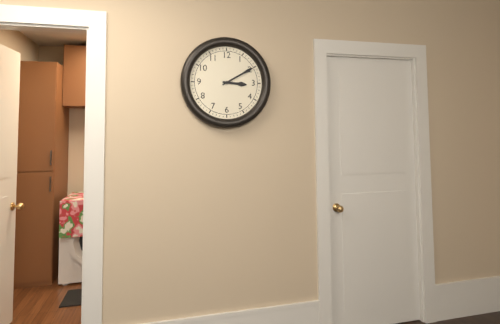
3:10
